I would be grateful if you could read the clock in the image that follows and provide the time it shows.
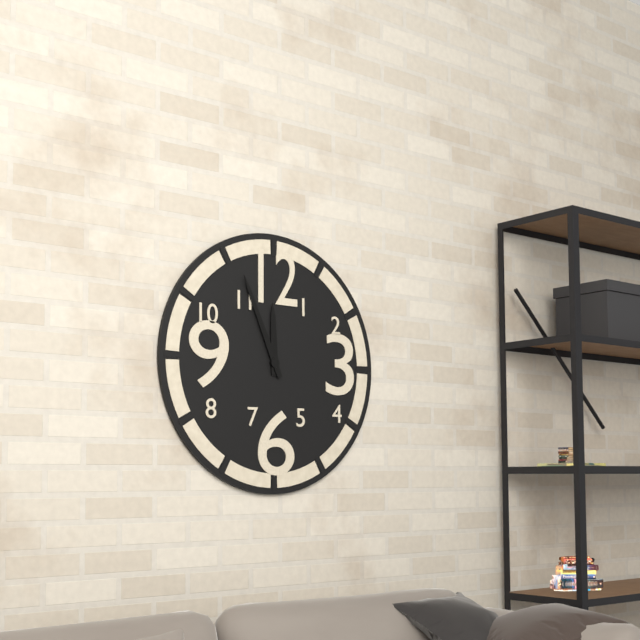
11:56
